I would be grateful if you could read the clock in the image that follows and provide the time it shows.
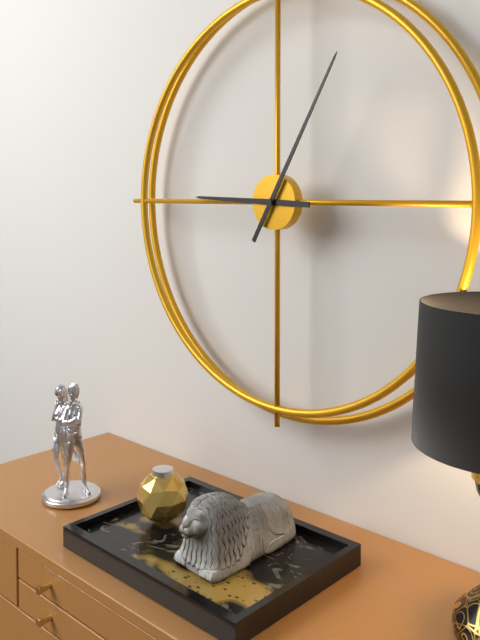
9:05
